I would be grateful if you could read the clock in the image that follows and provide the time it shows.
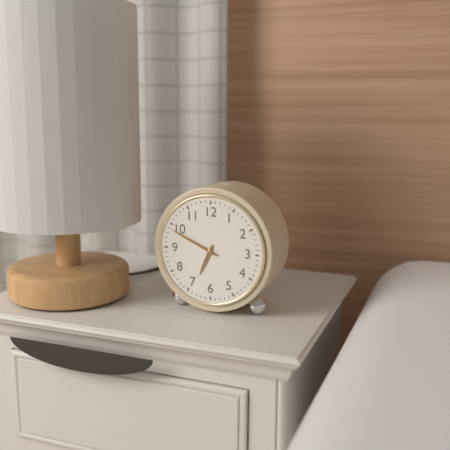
6:49
